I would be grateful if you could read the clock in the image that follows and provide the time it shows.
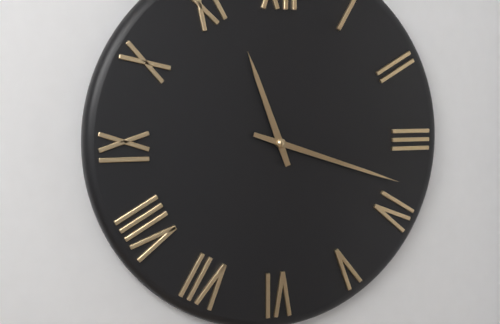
11:18
